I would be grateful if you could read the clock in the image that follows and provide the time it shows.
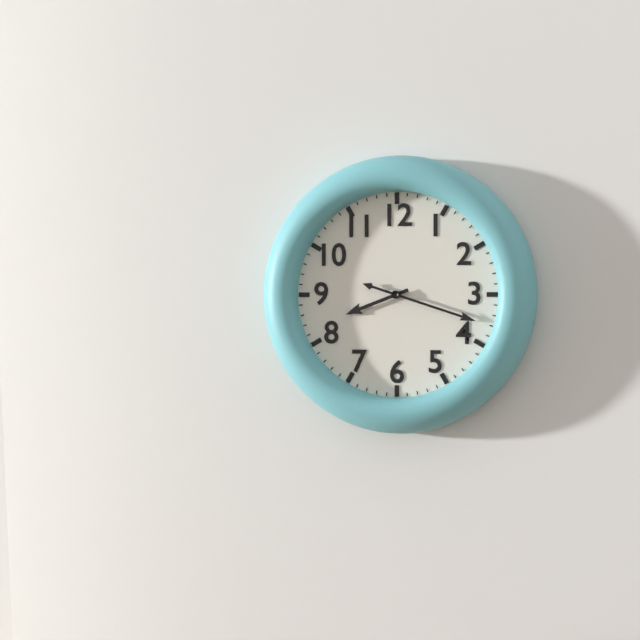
8:18
